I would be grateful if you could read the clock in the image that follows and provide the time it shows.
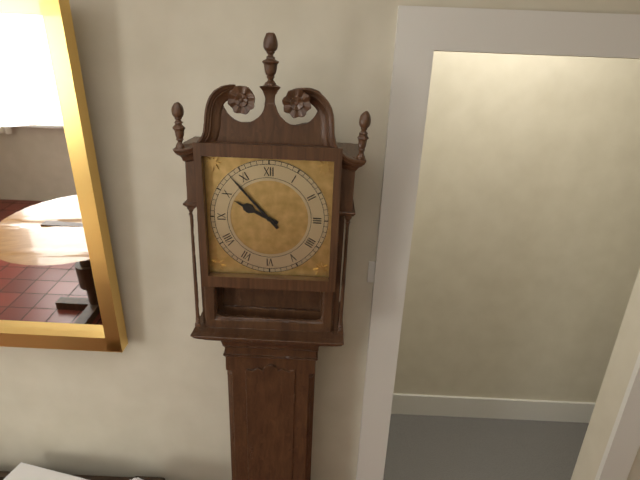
9:53
